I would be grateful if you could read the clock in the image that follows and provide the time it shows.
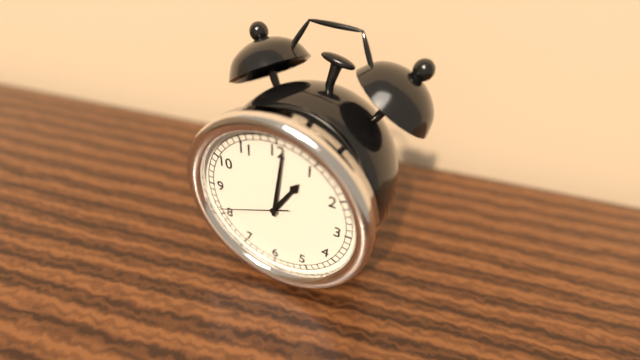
1:01:41
